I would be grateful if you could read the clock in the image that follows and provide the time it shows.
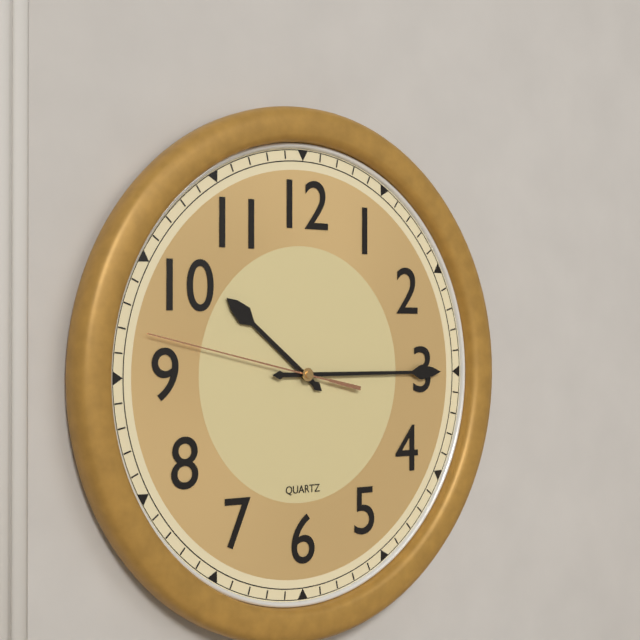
10:15:47
